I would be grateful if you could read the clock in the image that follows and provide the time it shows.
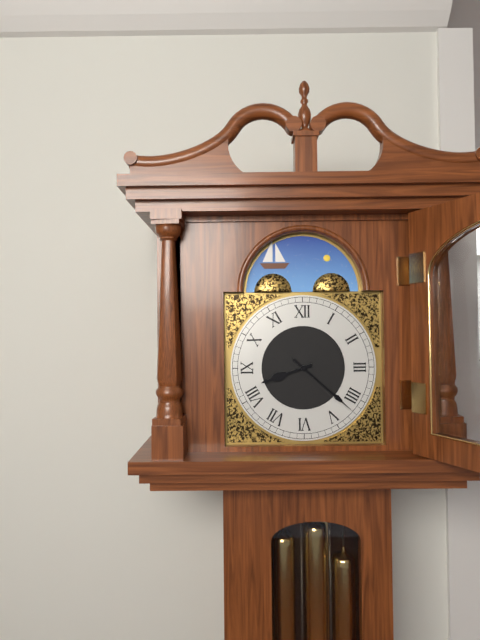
8:22
